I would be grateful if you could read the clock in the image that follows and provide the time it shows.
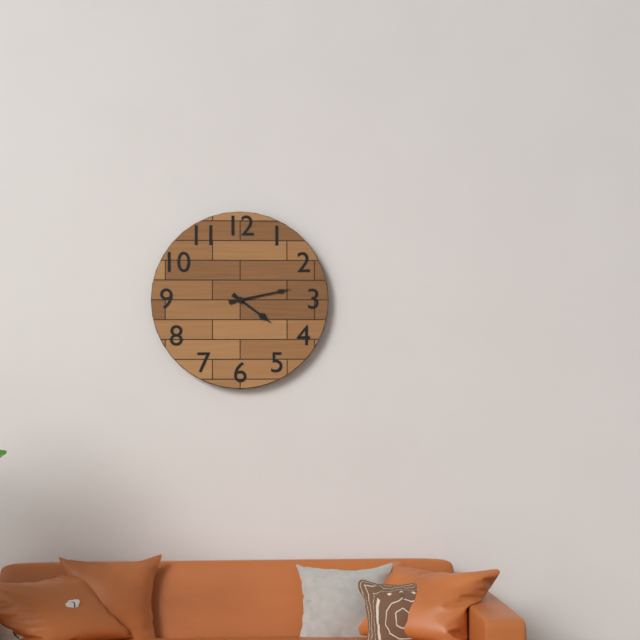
4:13
